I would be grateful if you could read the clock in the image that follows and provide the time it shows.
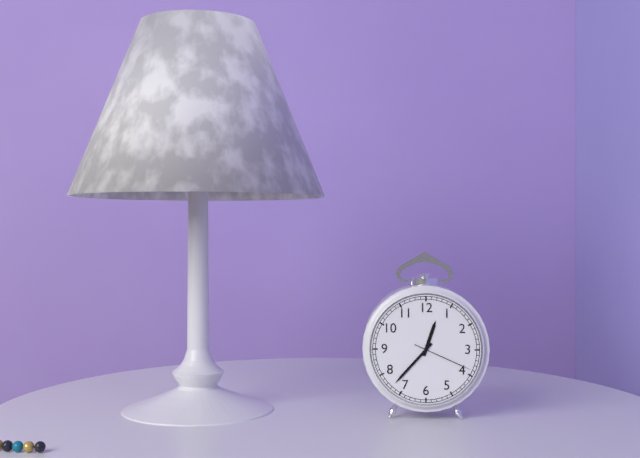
12:37:19
